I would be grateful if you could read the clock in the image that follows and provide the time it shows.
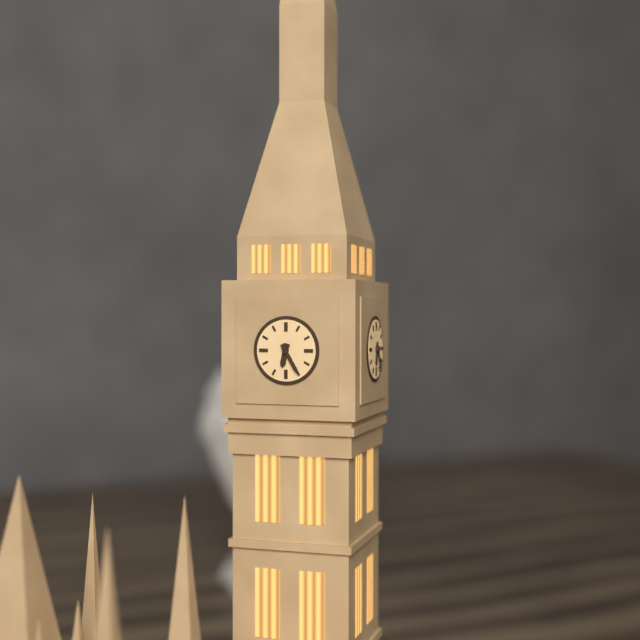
6:25
